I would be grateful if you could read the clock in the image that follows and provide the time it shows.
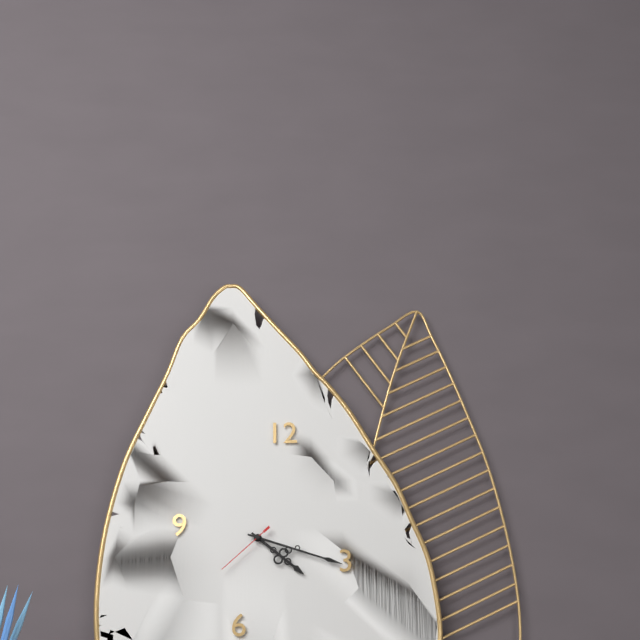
4:18:38
